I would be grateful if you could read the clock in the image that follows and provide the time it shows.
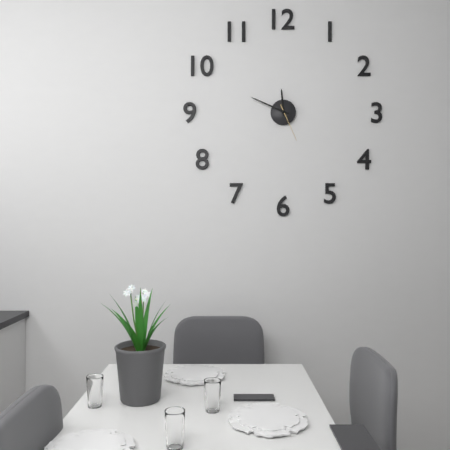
11:49
